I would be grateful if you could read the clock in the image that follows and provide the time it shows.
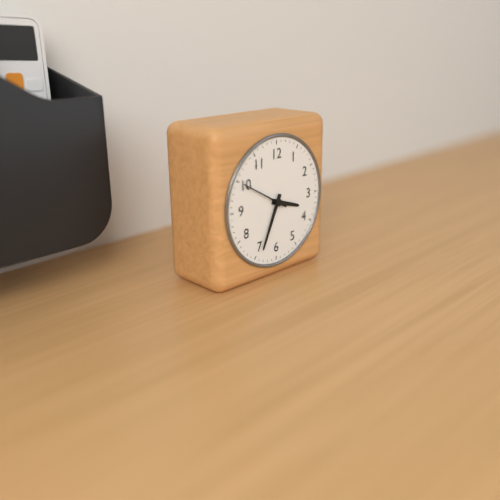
3:34
